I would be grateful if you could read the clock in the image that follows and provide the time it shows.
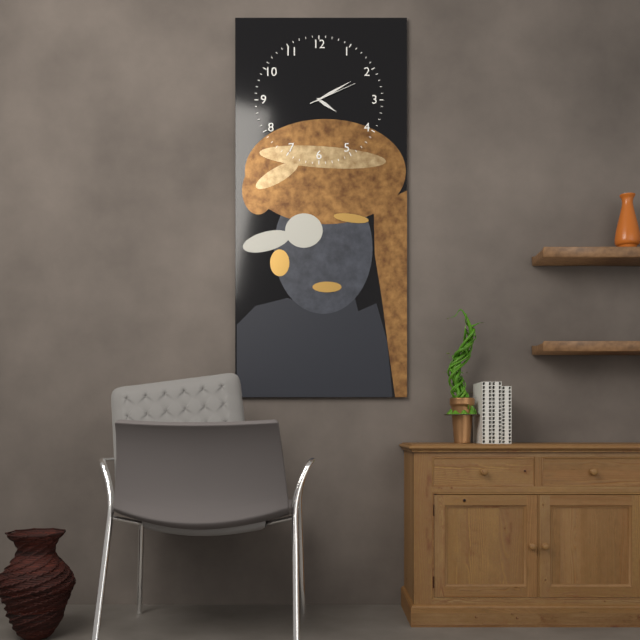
4:10
